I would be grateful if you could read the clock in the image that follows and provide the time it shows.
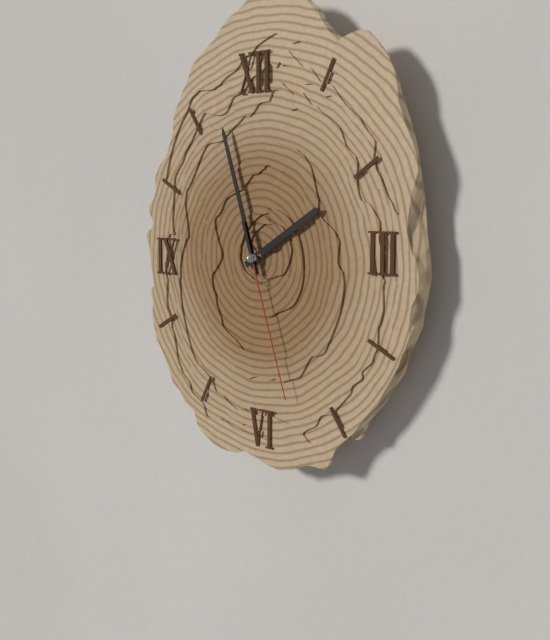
1:57:27
